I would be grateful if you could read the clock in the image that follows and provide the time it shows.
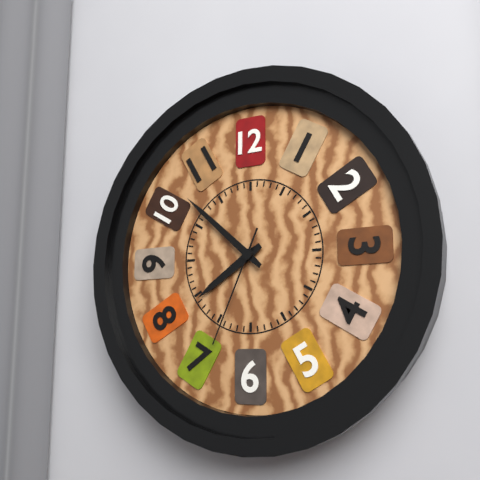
7:52:34
